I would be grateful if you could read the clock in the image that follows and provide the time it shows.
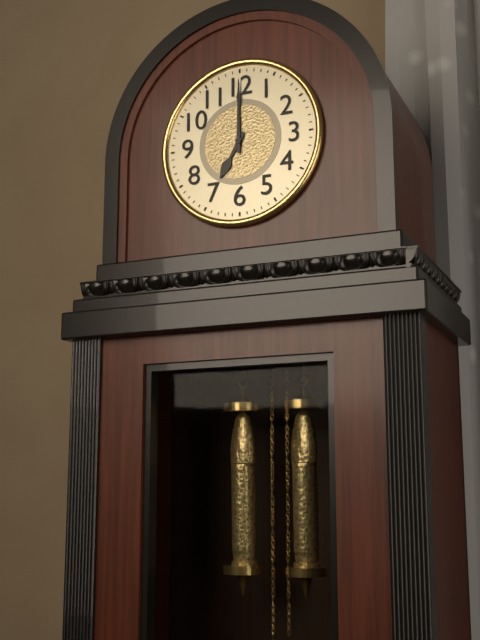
7:00
